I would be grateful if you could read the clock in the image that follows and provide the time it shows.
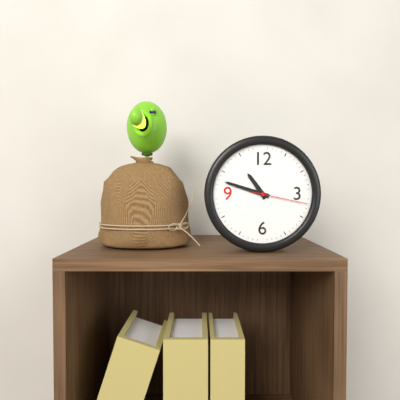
10:48:17
